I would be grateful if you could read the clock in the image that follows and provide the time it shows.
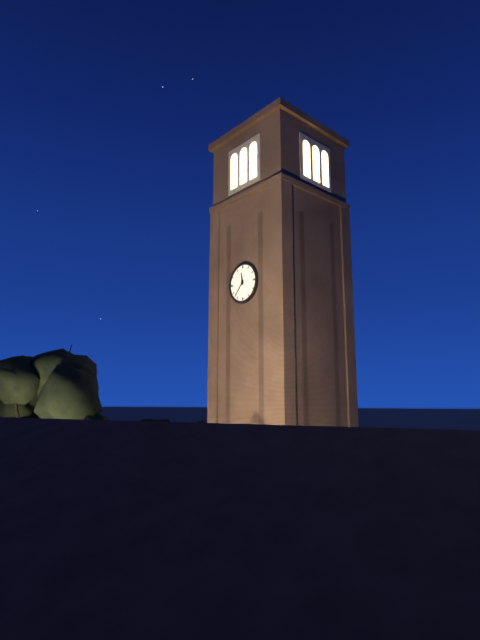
11:37
